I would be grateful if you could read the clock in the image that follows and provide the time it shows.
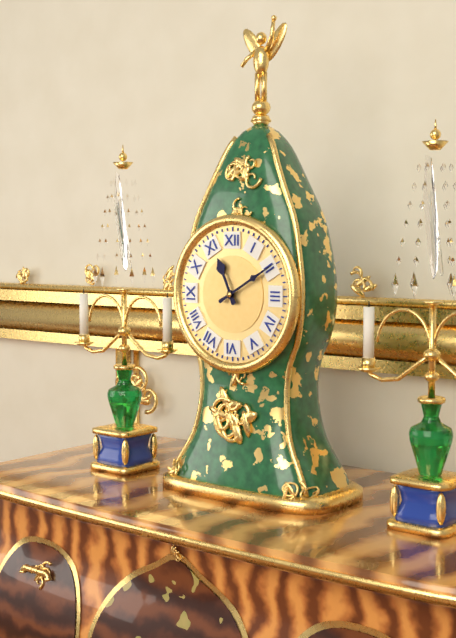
11:10
